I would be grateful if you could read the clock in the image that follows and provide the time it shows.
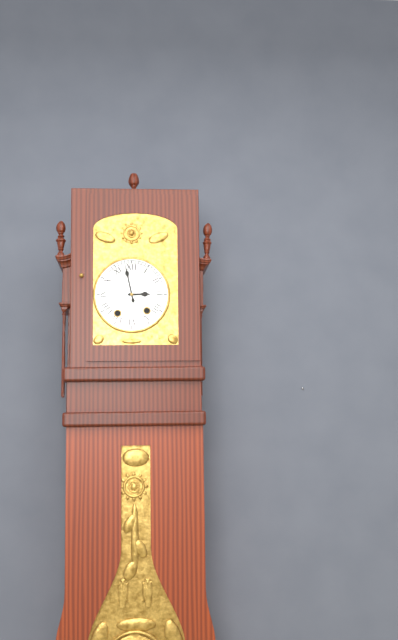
2:58
